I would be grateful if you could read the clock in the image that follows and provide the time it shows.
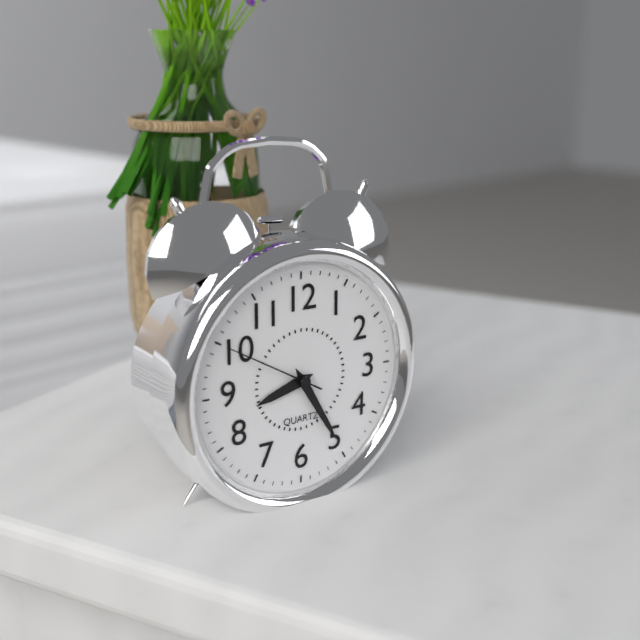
8:25:50
